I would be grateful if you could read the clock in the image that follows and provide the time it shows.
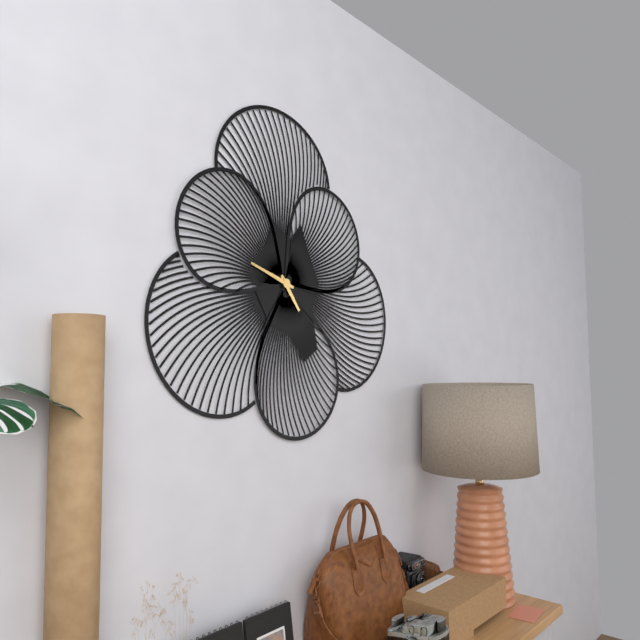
4:48
